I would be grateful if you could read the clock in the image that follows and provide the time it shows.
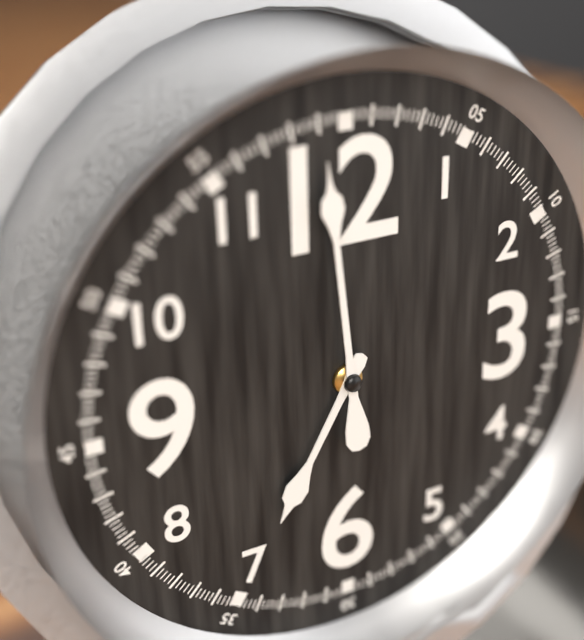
6:59
